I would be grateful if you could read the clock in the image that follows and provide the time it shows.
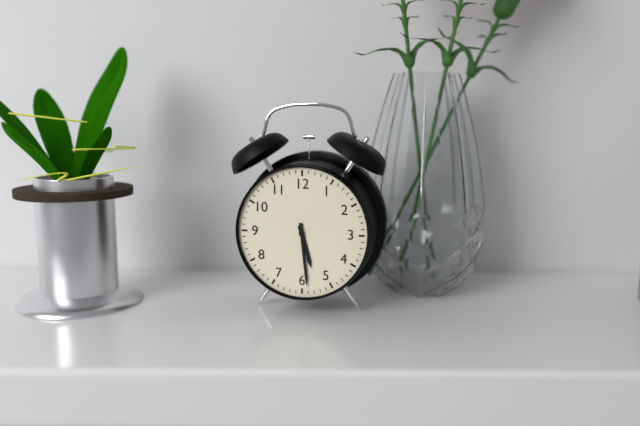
5:29
